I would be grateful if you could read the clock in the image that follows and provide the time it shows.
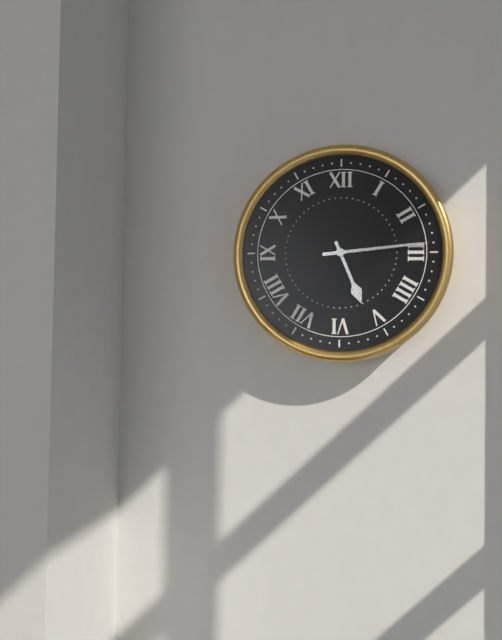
5:14
